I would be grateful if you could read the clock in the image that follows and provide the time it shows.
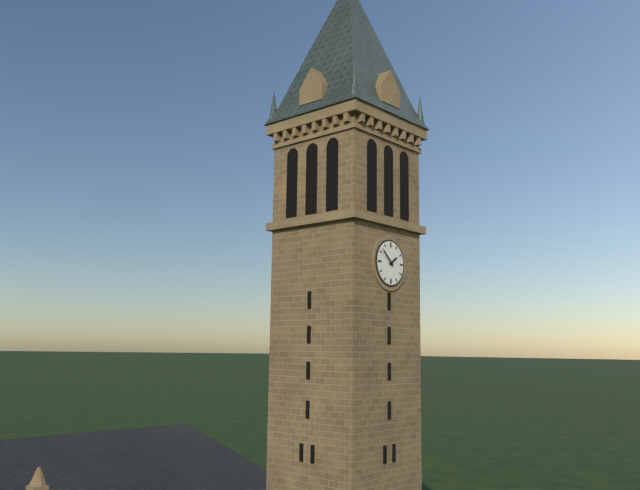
1:52
